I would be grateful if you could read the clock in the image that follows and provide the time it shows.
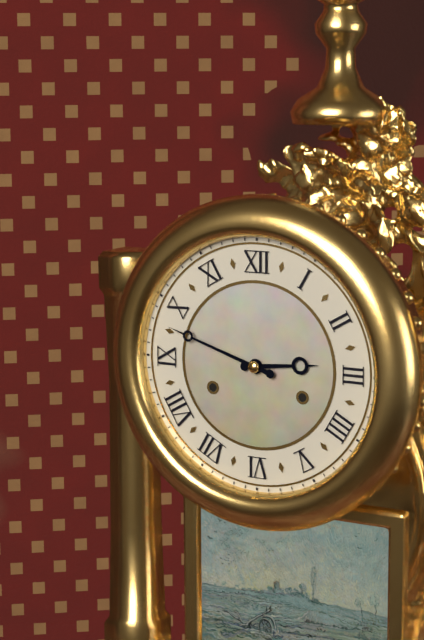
2:48
